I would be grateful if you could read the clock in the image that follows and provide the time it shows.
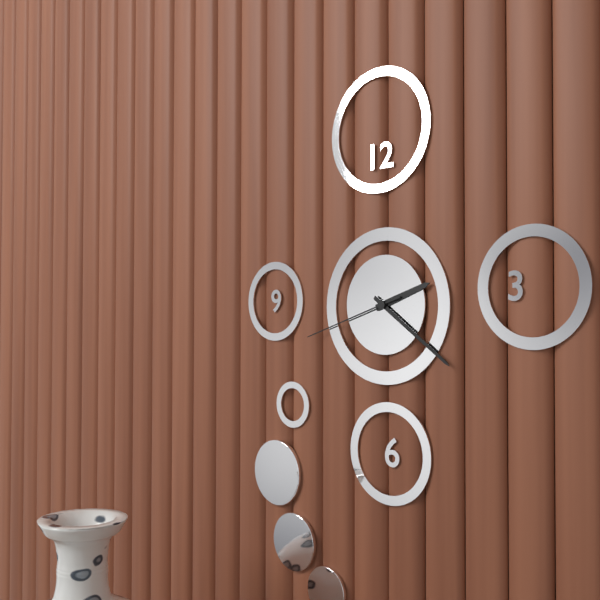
2:21:42
